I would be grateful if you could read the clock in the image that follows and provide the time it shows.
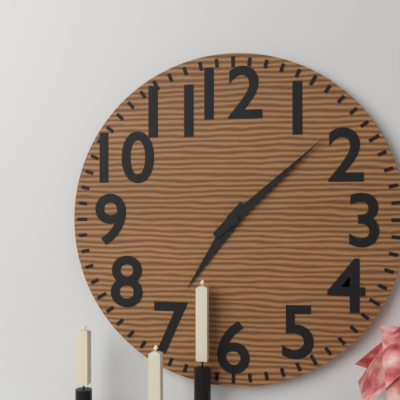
7:08
